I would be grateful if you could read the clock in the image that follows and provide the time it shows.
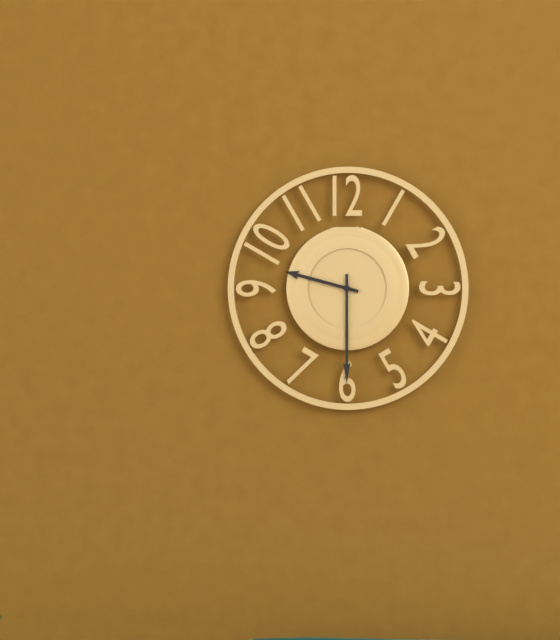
9:30
